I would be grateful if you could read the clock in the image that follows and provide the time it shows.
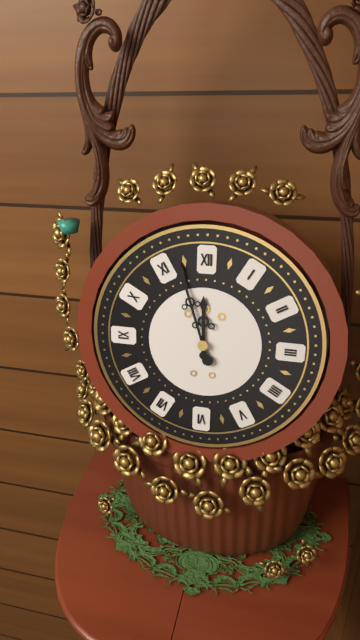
11:57
